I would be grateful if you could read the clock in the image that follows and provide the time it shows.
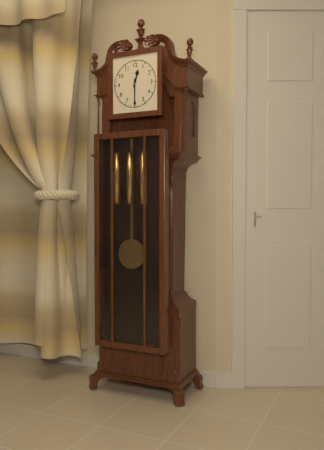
12:30
